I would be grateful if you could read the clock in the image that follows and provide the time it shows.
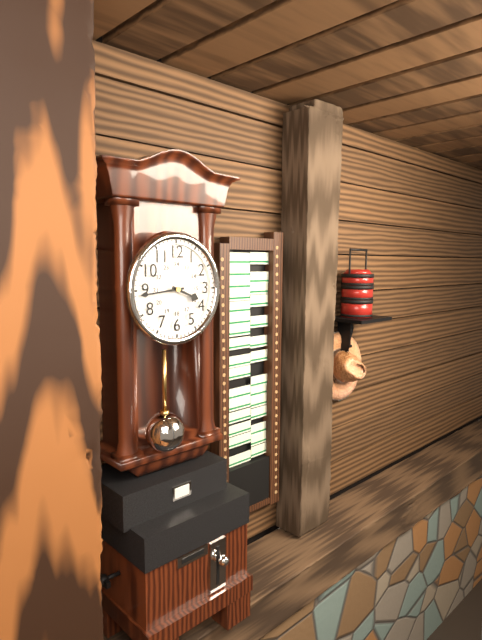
3:44
